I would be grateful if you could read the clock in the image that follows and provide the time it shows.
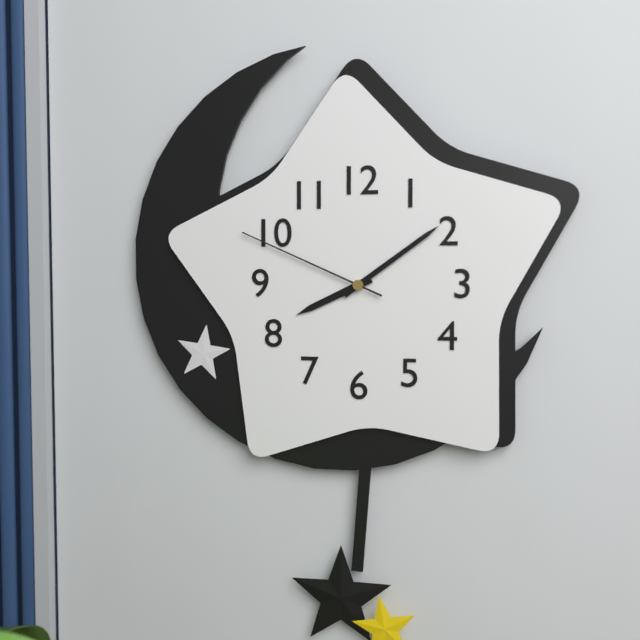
8:09:49
